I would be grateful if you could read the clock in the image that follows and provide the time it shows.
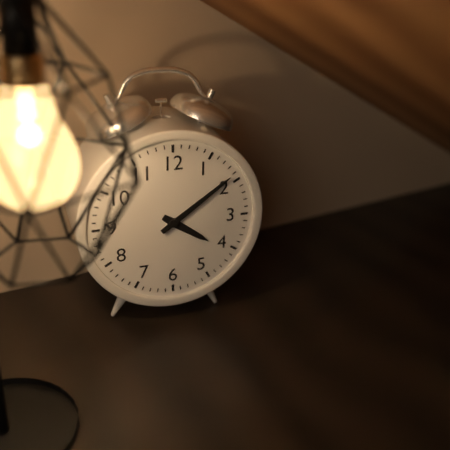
4:09
